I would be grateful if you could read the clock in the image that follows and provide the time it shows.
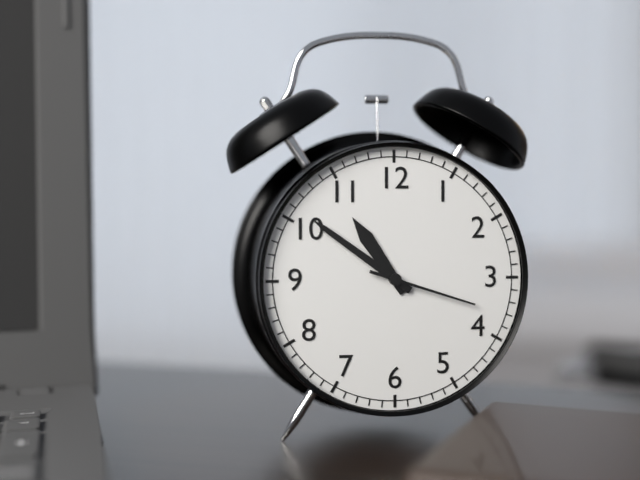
10:51:18
